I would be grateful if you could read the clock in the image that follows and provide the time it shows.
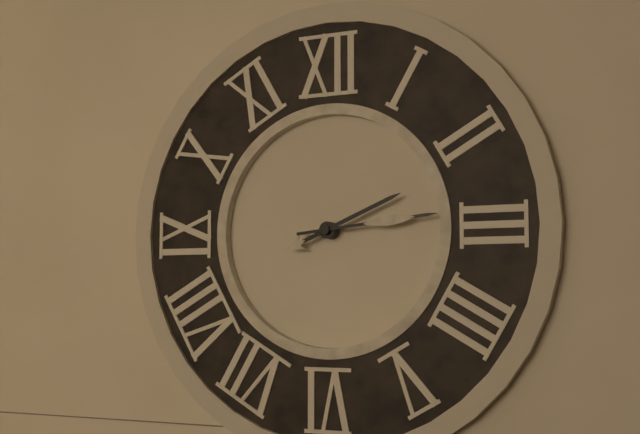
2:14
